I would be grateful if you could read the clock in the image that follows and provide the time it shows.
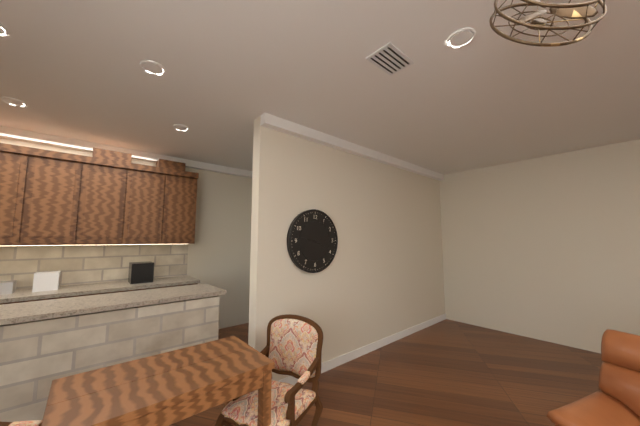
3:47
